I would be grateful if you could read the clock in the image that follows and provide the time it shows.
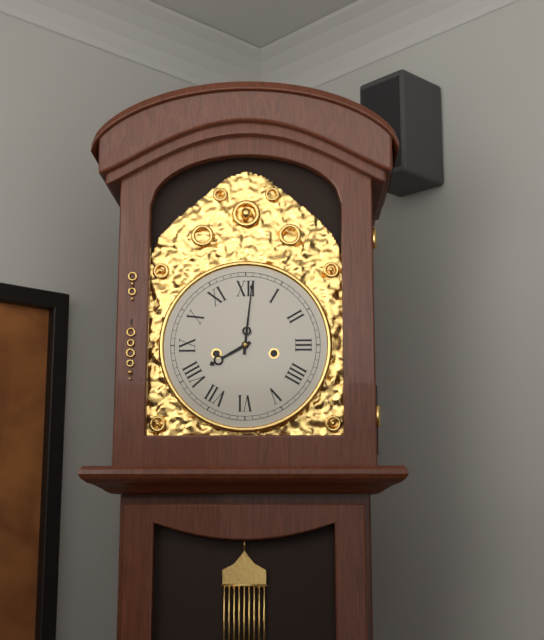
8:01
